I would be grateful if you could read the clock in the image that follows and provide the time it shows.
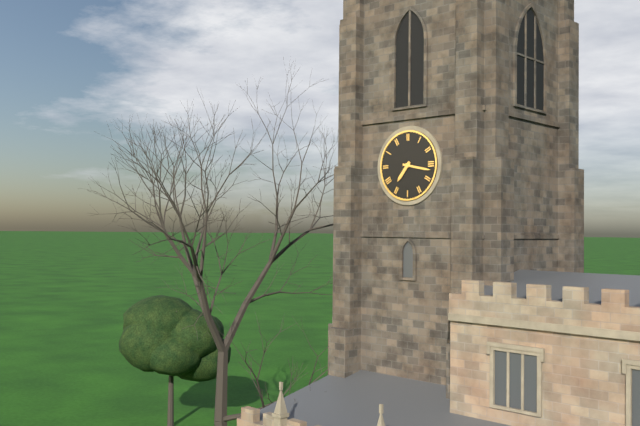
7:17
